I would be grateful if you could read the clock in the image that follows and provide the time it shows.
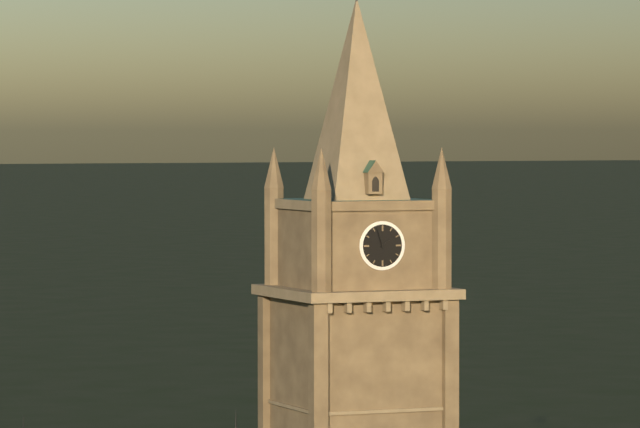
1:57
